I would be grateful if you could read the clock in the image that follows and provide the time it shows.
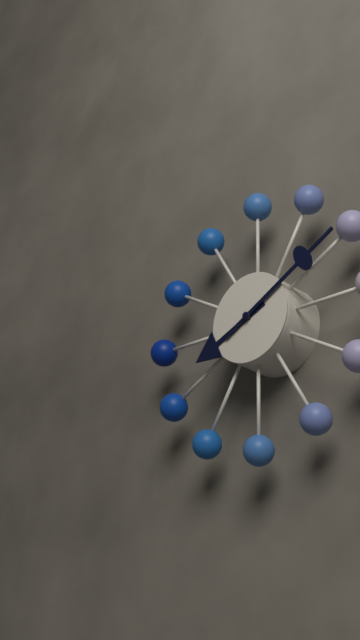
8:10
